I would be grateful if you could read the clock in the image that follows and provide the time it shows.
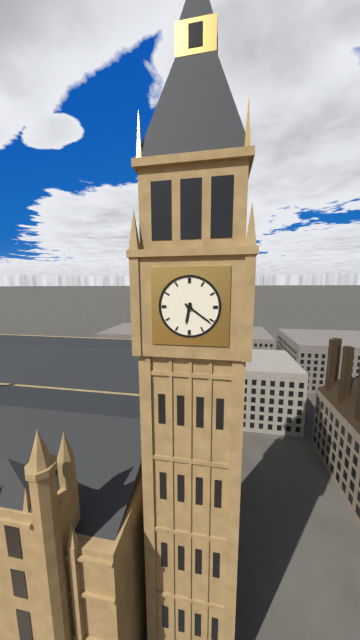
6:21
